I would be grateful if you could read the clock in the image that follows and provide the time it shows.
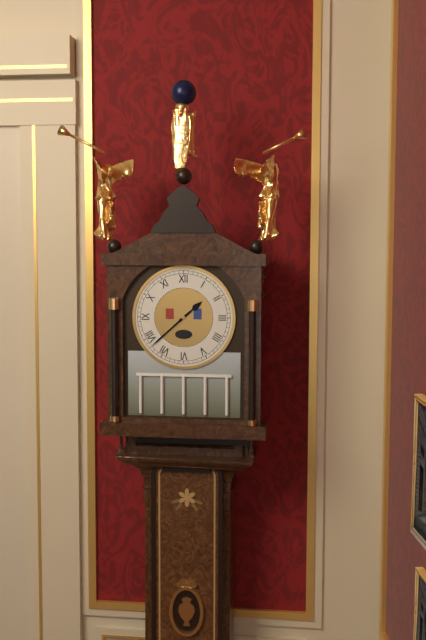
1:38
